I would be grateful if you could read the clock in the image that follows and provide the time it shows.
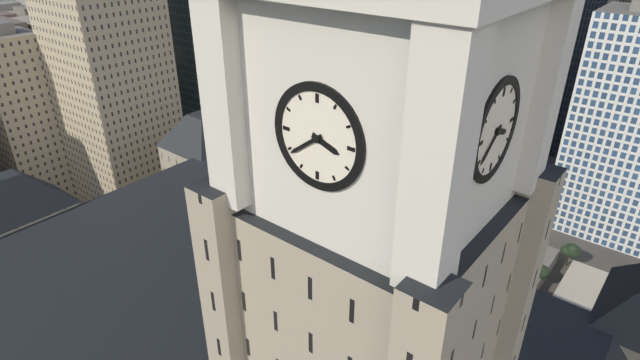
3:39
